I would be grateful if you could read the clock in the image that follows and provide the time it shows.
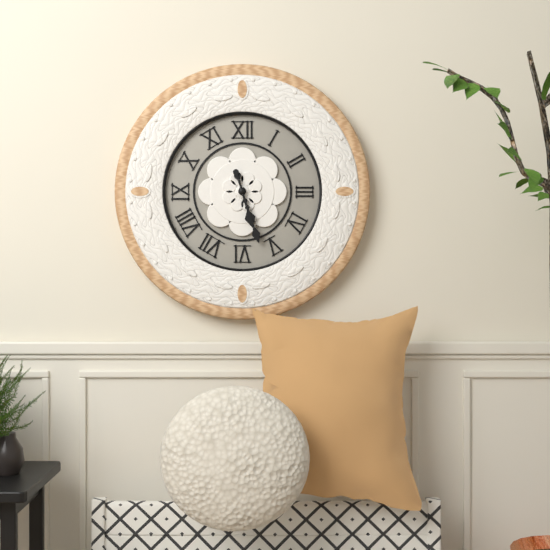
5:27
